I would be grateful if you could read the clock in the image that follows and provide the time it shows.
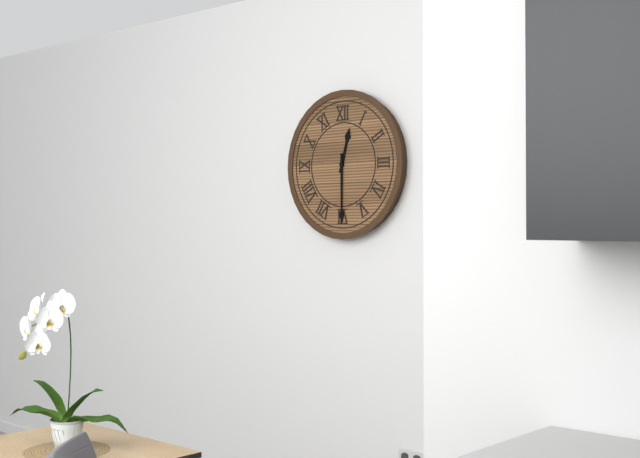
12:30
